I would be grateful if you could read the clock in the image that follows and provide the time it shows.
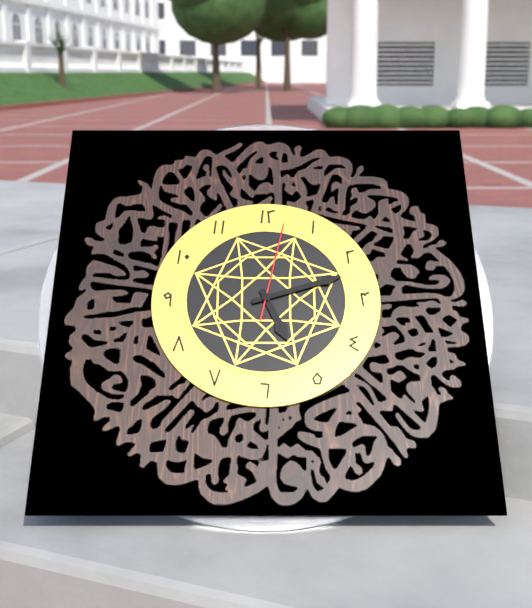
5:12:02
